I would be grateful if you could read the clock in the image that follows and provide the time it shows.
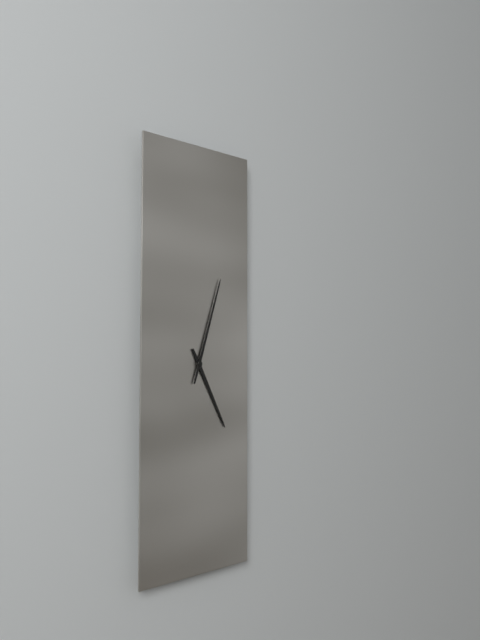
5:03
